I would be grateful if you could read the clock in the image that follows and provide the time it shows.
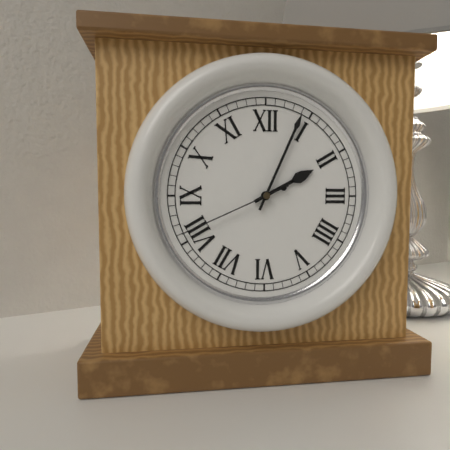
2:04:41
